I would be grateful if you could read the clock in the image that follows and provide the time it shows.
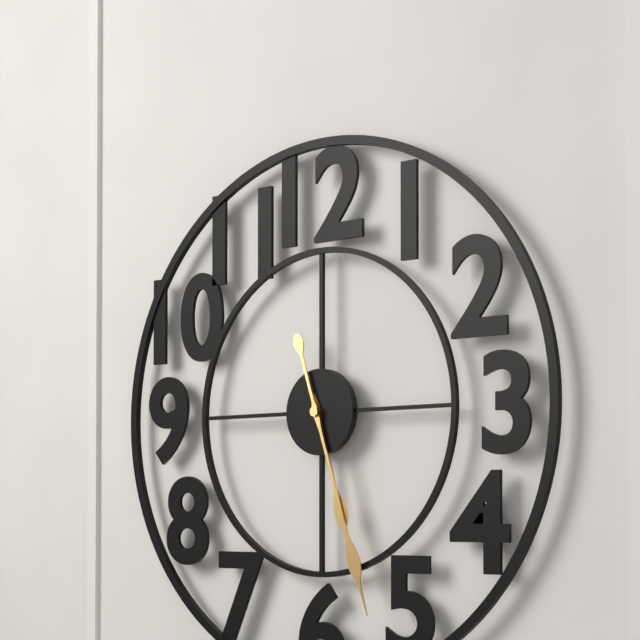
5:27
